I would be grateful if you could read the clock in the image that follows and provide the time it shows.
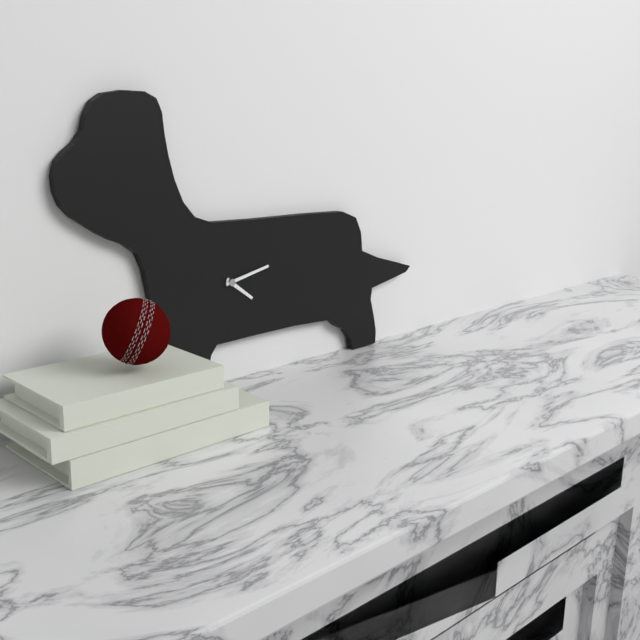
4:13
